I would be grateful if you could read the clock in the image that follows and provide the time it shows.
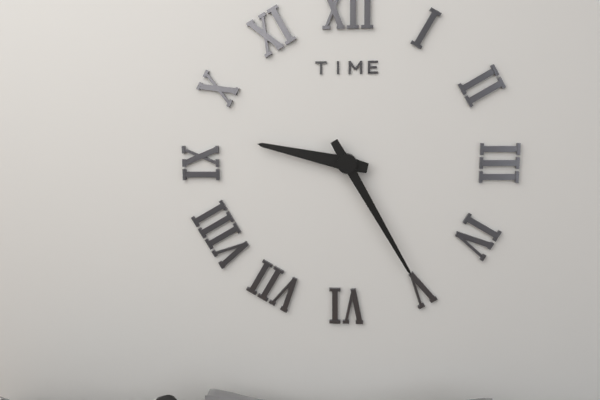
9:25
